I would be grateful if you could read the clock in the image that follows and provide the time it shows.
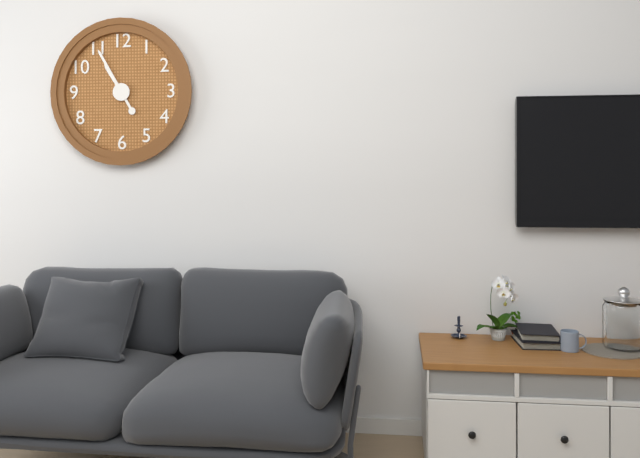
10:55
